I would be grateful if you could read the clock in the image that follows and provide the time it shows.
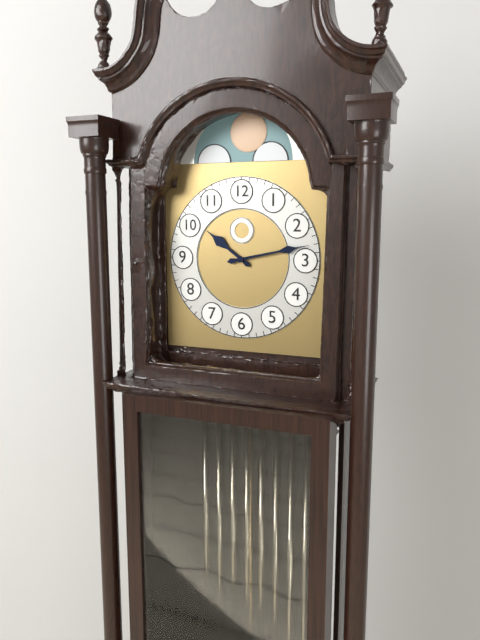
10:13
